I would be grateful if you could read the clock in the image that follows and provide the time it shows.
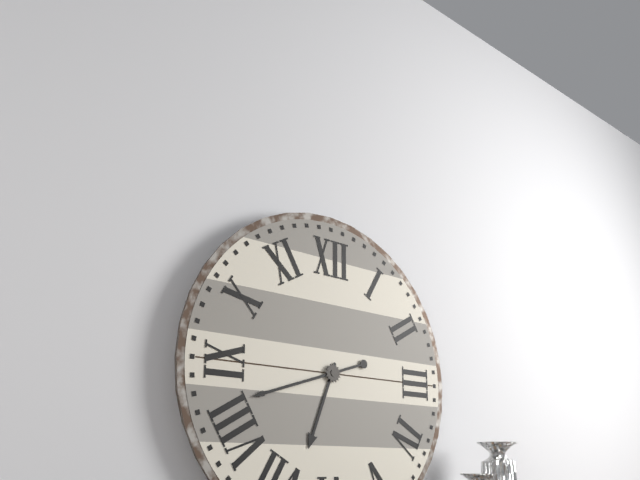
6:42
